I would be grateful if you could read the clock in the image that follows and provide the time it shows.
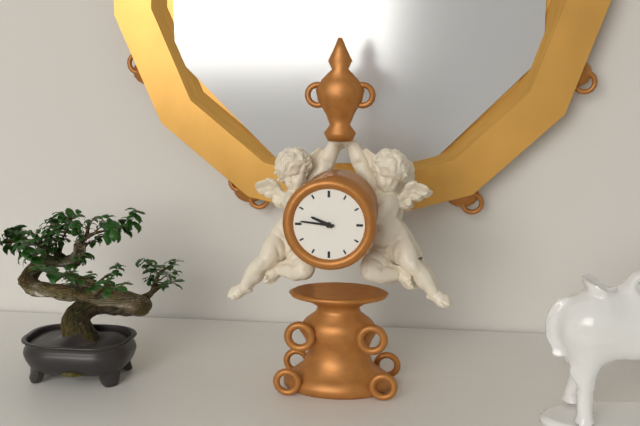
9:46
